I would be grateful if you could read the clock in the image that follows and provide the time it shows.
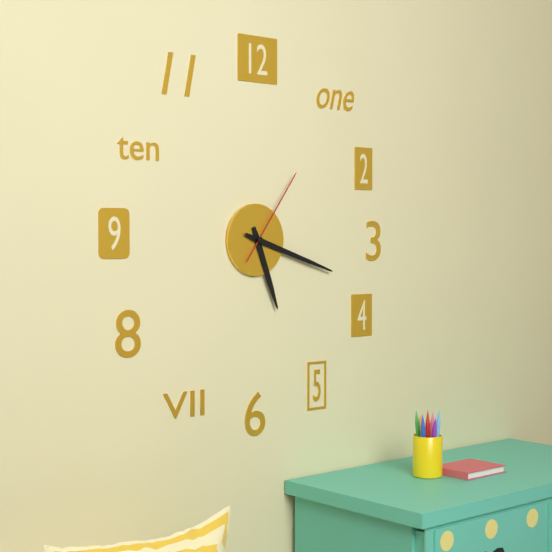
5:18:06
